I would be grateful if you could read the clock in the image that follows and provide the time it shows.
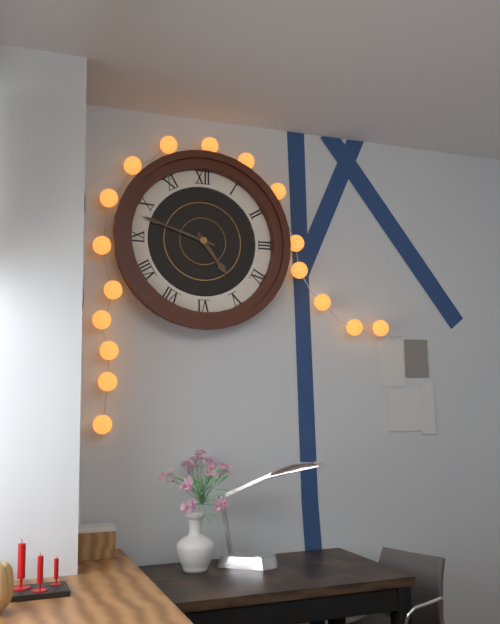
4:48
